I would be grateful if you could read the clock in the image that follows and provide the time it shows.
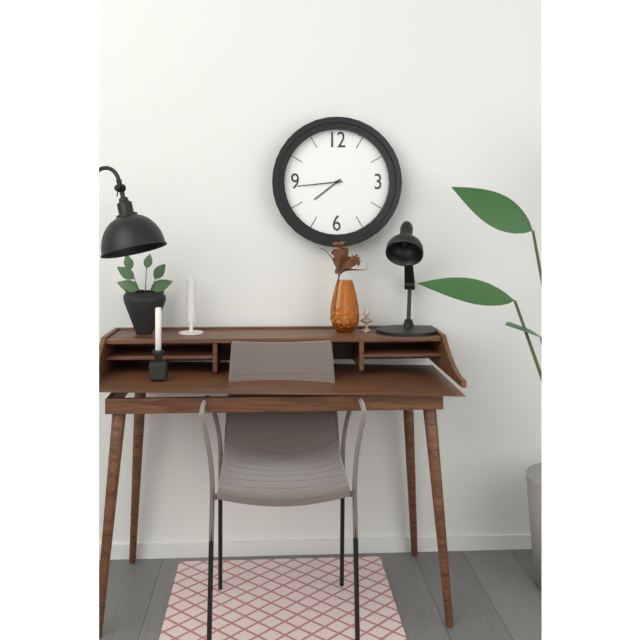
7:44
